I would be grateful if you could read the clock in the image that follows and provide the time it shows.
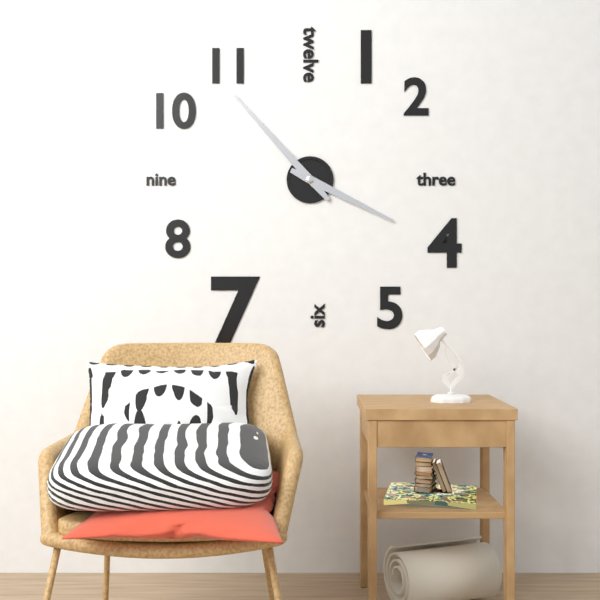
3:53
